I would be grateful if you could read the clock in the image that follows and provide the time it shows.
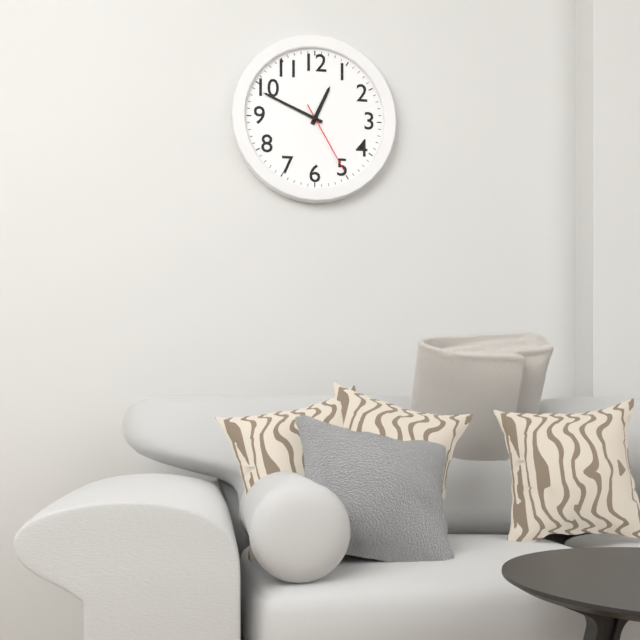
12:49:25
